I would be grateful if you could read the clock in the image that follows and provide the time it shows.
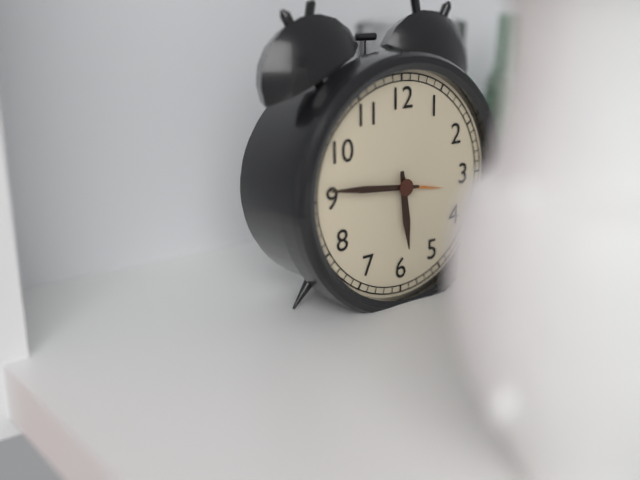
5:46
